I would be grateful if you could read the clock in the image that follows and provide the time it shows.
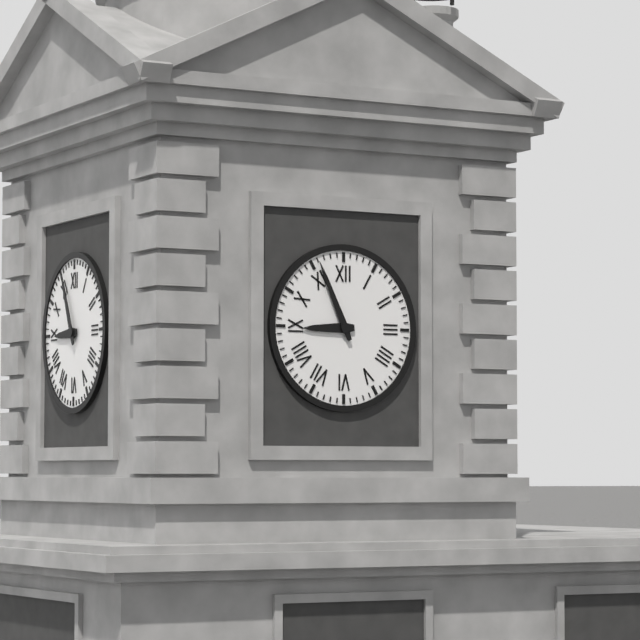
8:56
